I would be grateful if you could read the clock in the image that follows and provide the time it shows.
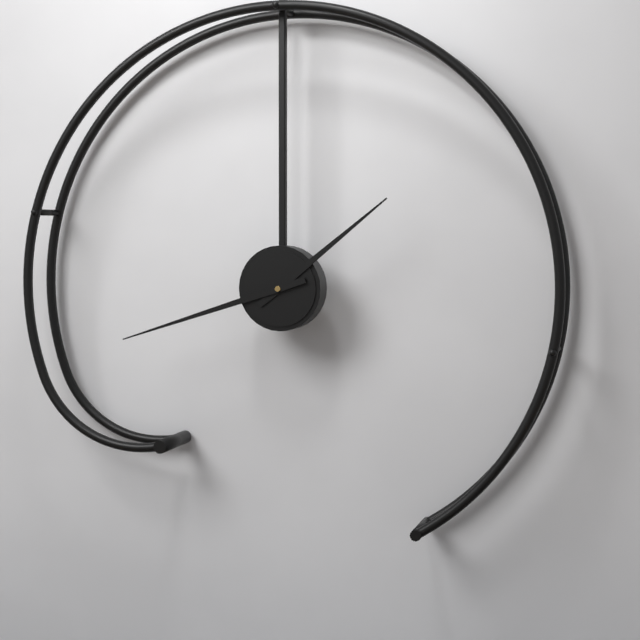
1:42
